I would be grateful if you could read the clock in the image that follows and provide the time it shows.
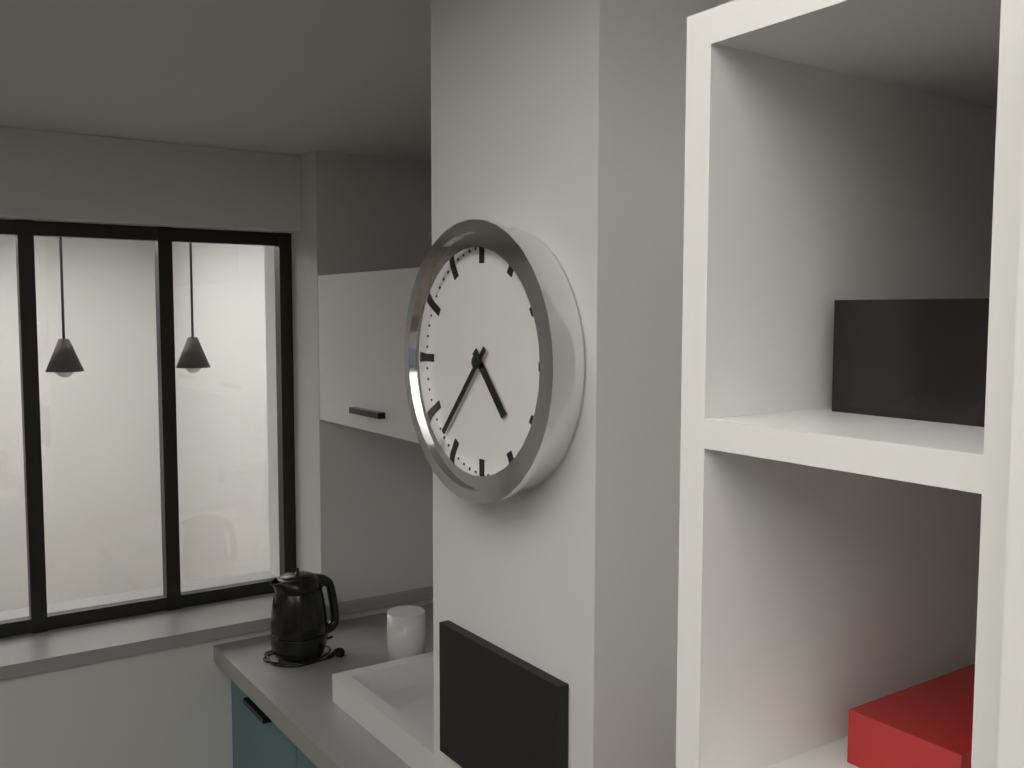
4:37
